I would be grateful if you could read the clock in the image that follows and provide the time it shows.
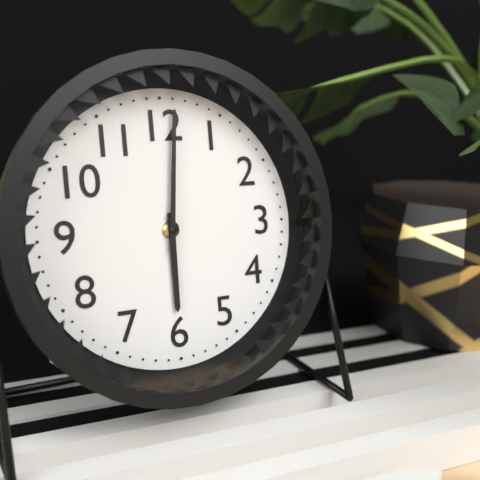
6:01
